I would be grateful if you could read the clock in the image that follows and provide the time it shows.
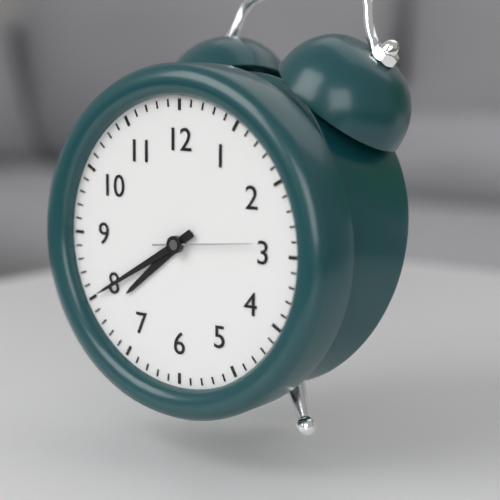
7:40:14
